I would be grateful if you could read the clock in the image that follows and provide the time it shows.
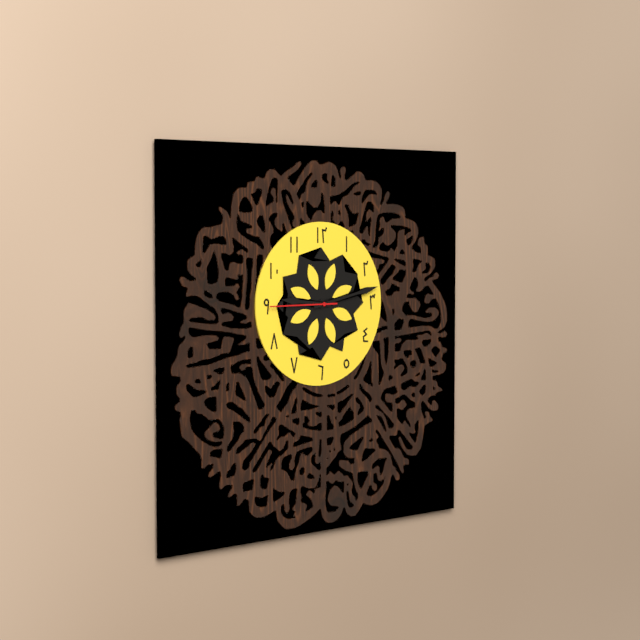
9:13:45
